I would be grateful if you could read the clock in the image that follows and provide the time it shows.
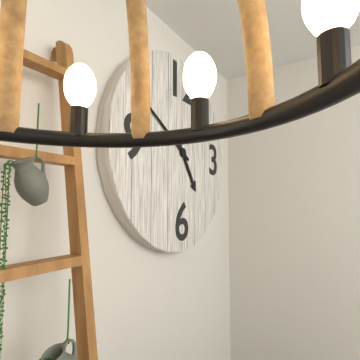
4:50
